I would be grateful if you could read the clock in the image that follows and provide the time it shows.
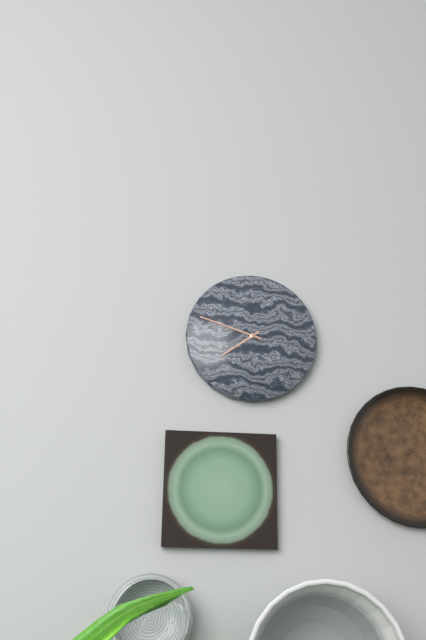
7:48
